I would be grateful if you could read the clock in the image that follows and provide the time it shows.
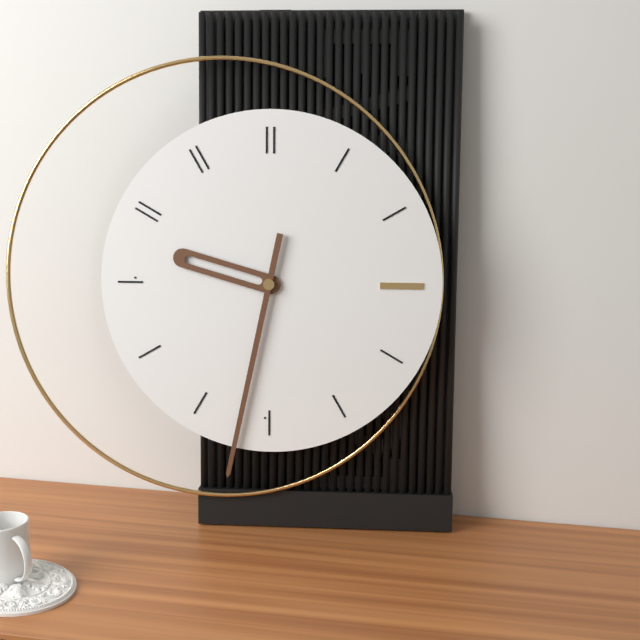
9:32
